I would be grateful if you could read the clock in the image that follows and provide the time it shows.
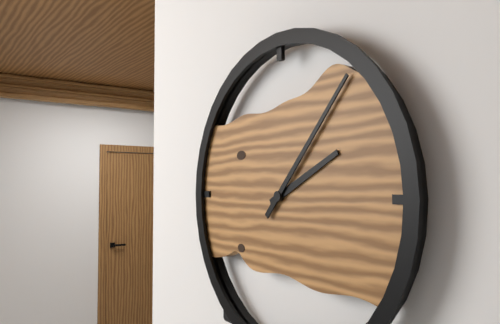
2:07
